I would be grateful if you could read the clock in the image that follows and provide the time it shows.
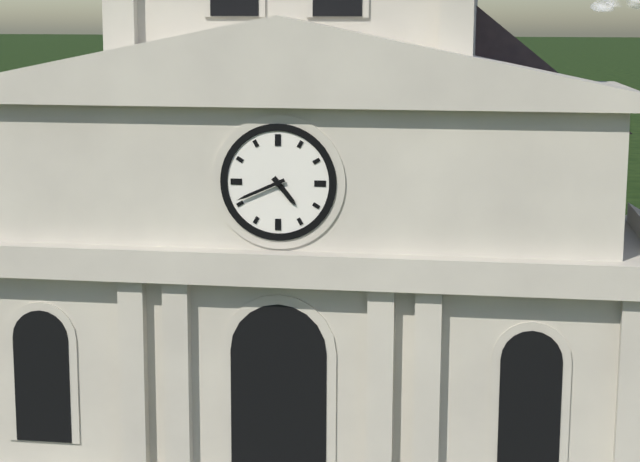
4:41
